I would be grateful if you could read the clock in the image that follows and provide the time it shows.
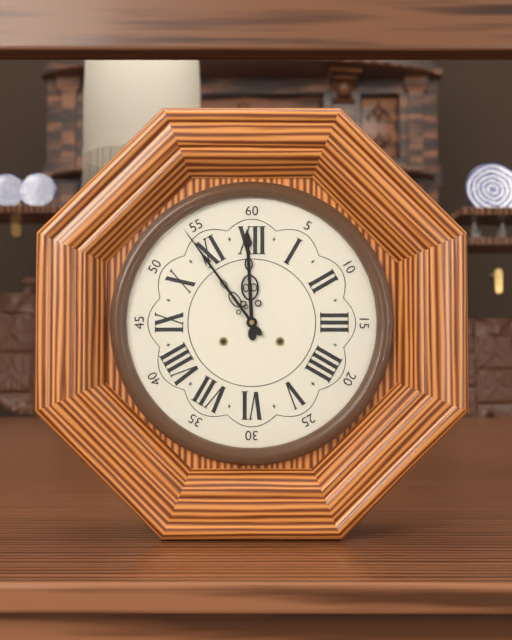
11:54
